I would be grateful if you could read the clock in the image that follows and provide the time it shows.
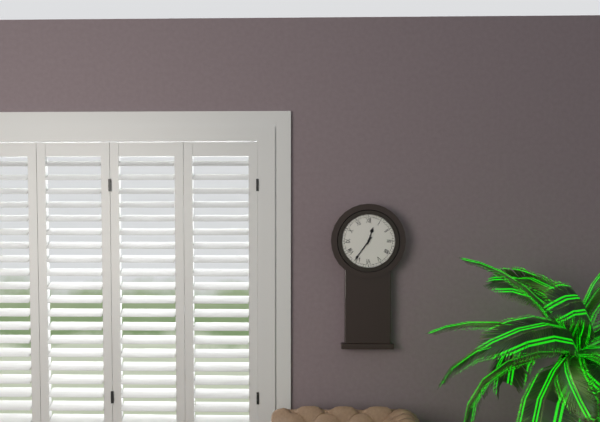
12:36
